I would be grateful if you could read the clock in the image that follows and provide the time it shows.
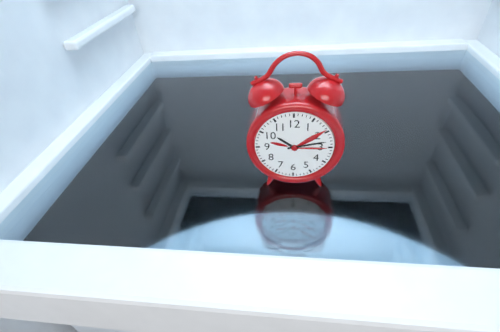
10:13
